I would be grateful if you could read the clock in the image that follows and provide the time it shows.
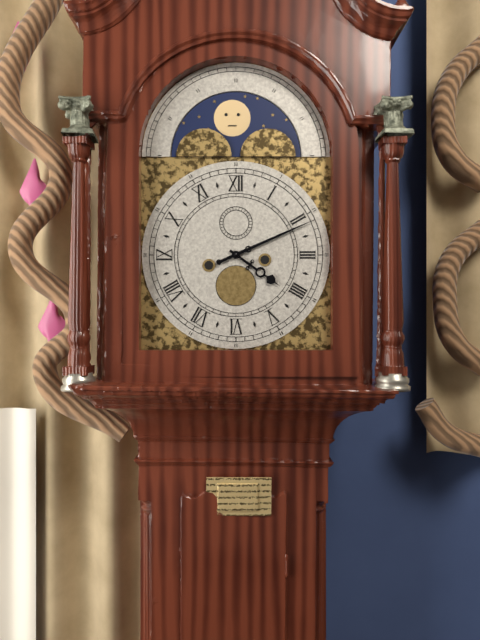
4:11
